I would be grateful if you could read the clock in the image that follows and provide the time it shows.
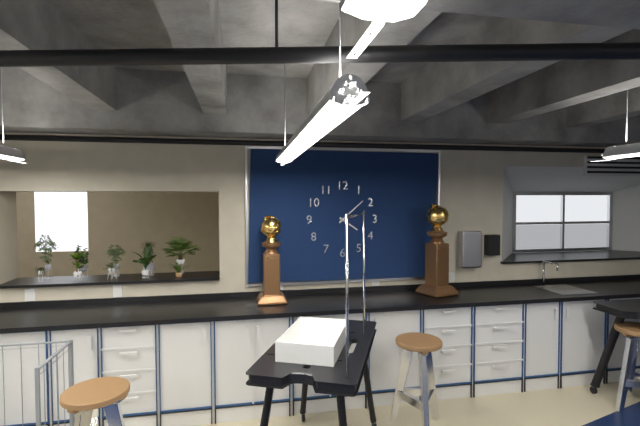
4:08
